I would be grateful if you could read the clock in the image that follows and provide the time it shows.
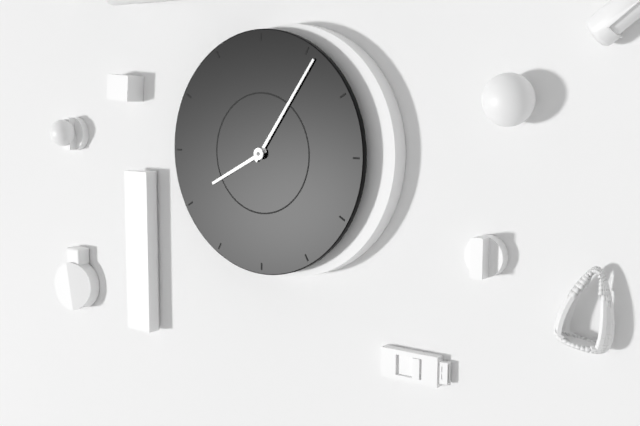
8:06
